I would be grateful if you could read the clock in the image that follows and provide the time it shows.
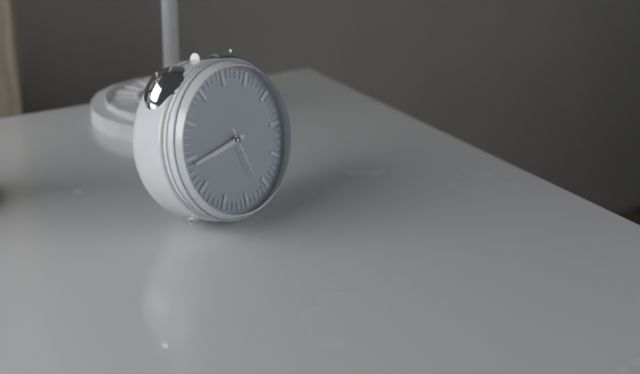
8:44
